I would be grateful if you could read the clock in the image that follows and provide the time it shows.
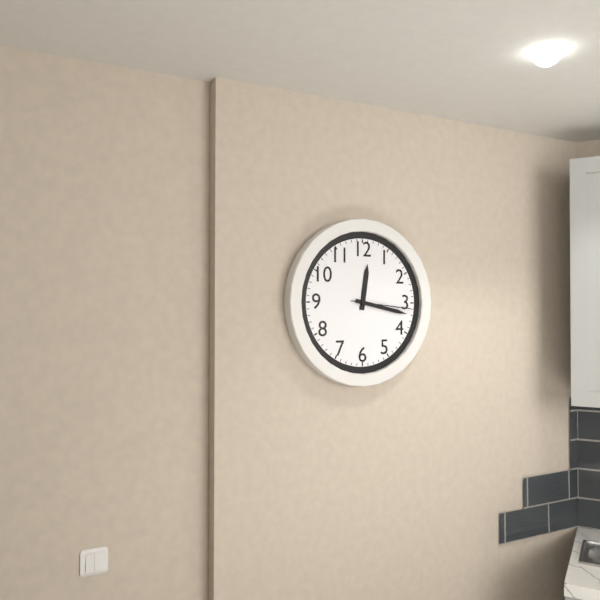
12:17:16
